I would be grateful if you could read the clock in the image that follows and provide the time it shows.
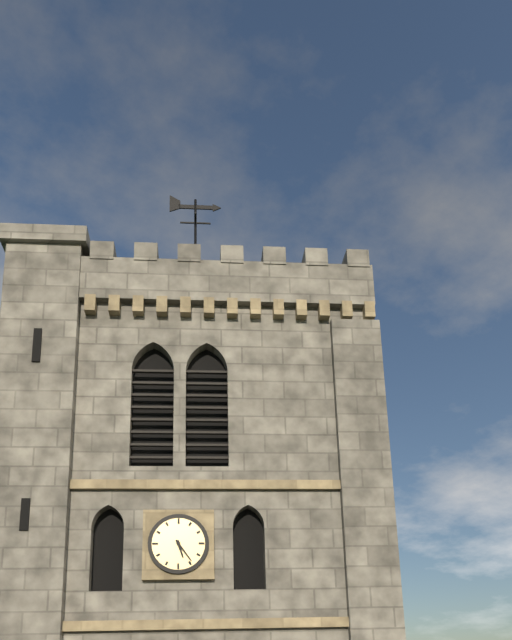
5:24
